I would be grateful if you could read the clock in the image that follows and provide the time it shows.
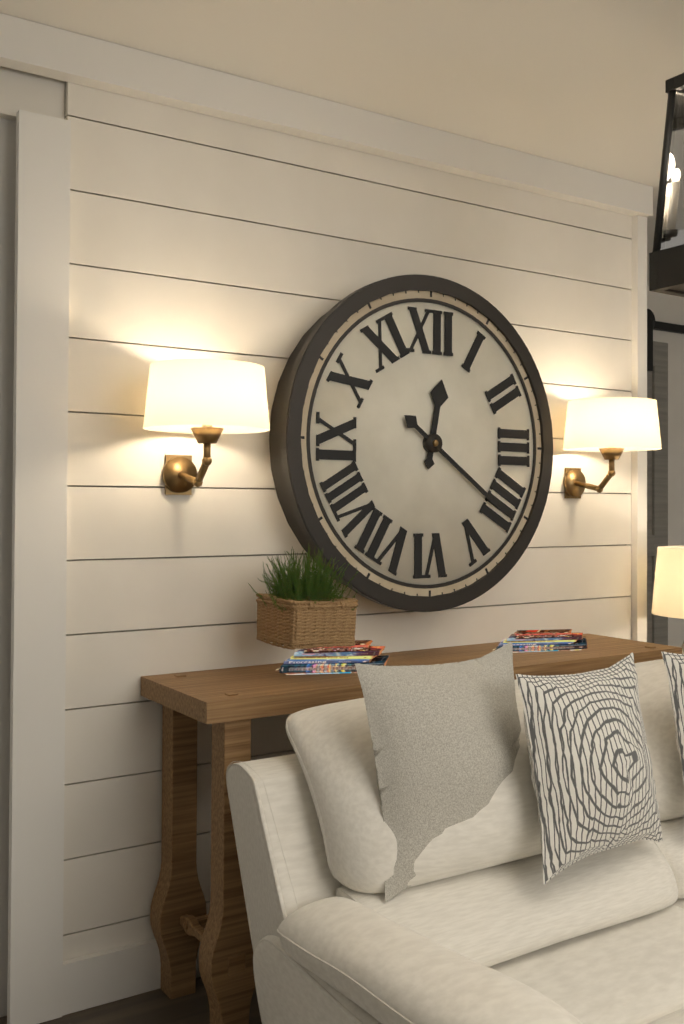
12:21
